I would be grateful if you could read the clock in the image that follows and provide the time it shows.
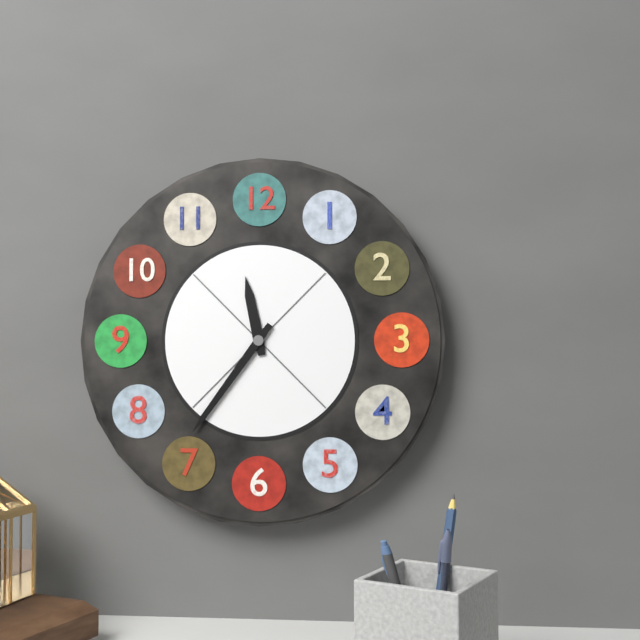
11:36
